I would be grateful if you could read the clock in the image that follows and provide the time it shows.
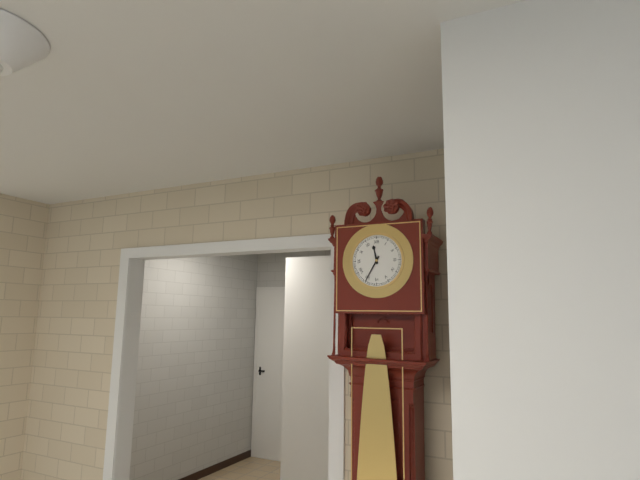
11:35
